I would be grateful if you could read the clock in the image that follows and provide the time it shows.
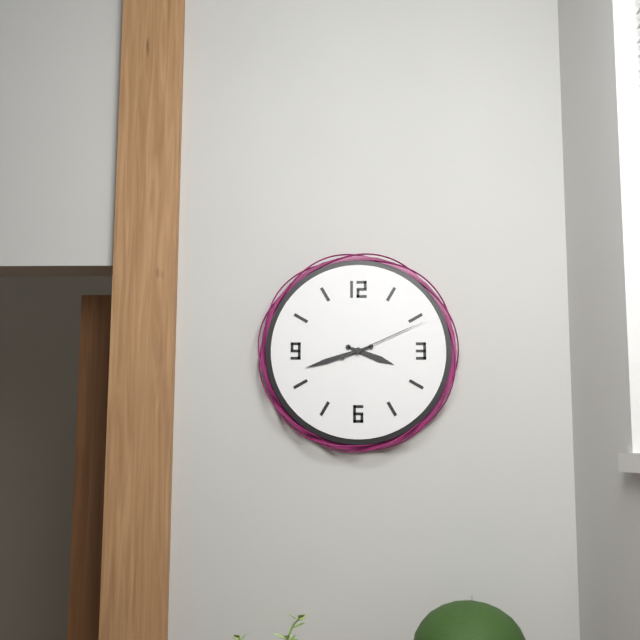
3:42:11
